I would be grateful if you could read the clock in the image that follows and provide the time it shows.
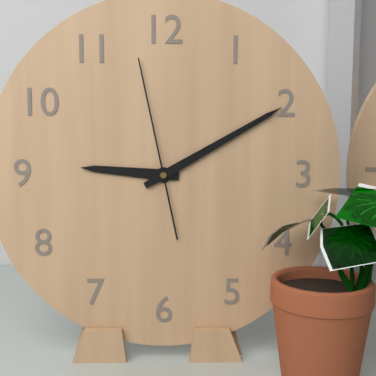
9:10:58
